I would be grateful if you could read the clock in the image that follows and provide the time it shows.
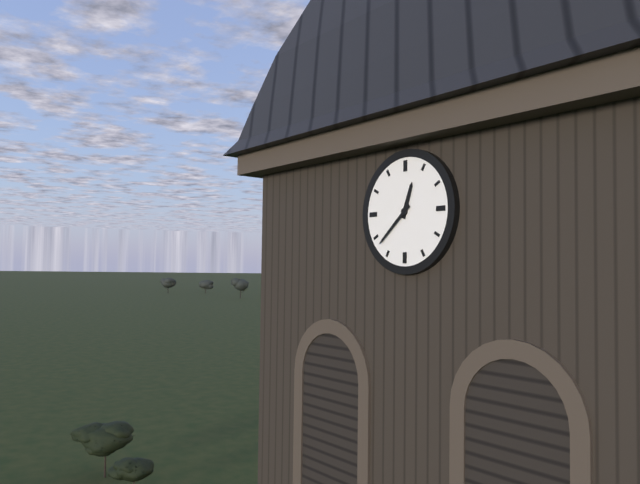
12:38
